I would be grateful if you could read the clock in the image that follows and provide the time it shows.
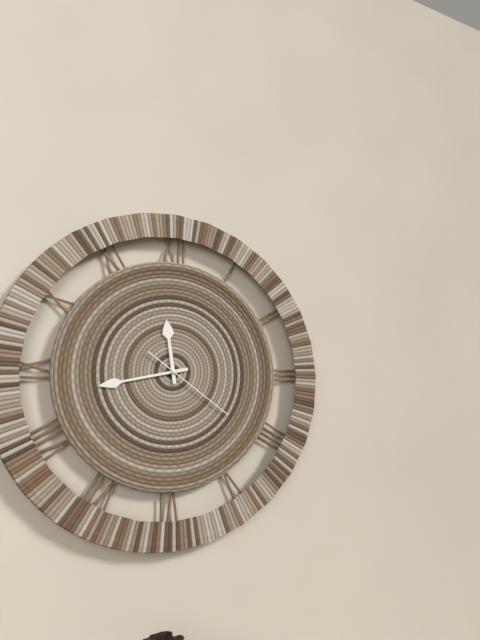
11:43:21
